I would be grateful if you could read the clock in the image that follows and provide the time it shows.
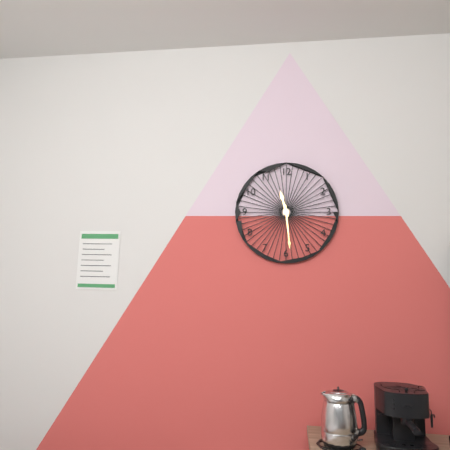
11:29
